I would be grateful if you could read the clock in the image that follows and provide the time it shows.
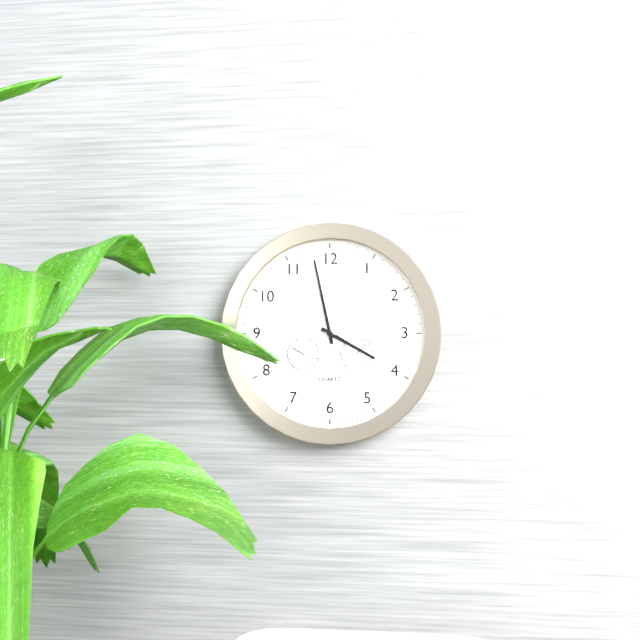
3:58:47
